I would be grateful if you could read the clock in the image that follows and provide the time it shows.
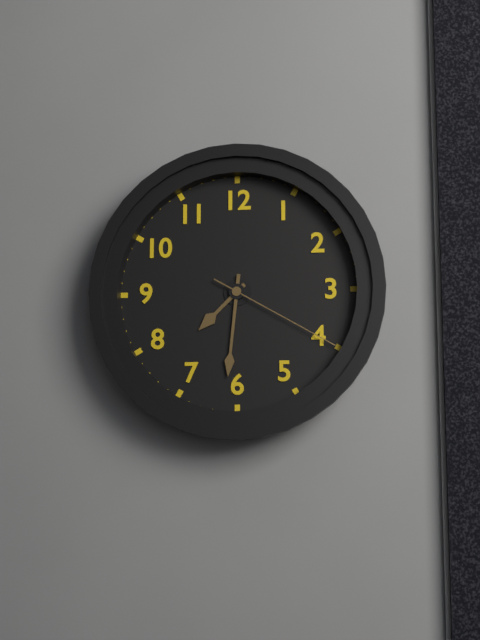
7:31:20
